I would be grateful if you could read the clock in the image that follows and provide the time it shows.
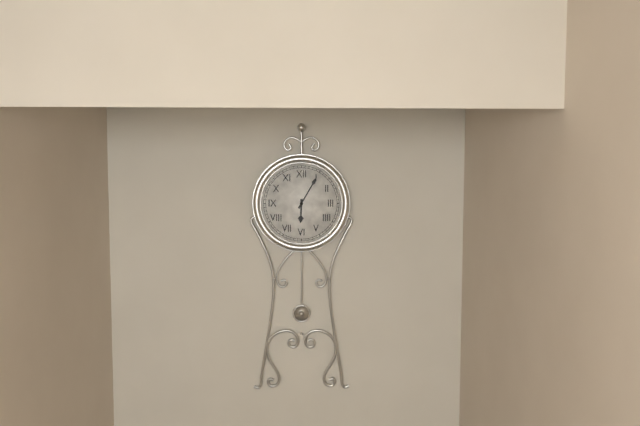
6:05
